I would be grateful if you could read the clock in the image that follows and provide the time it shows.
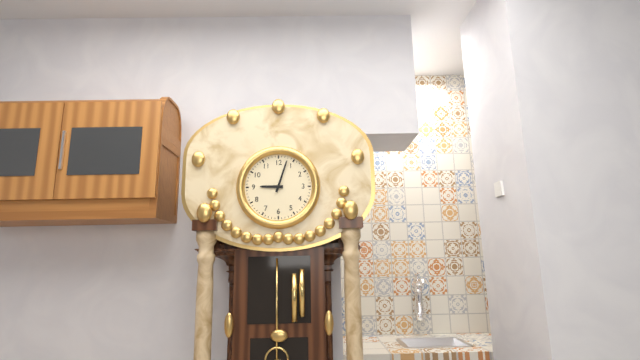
9:03
